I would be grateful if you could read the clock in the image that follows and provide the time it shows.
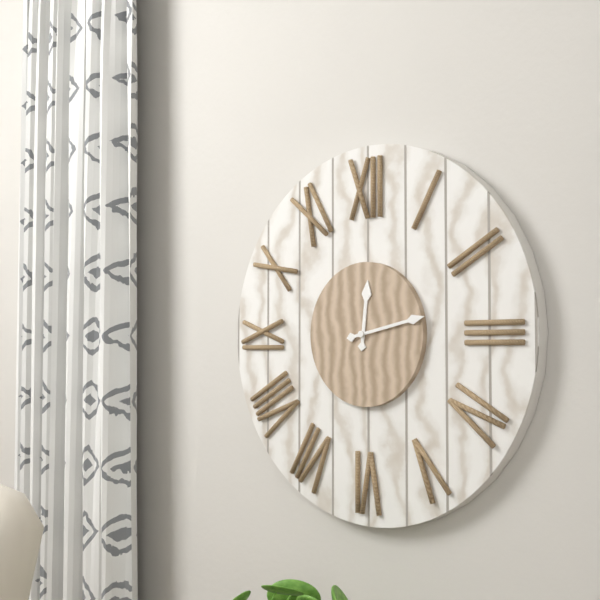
12:13
